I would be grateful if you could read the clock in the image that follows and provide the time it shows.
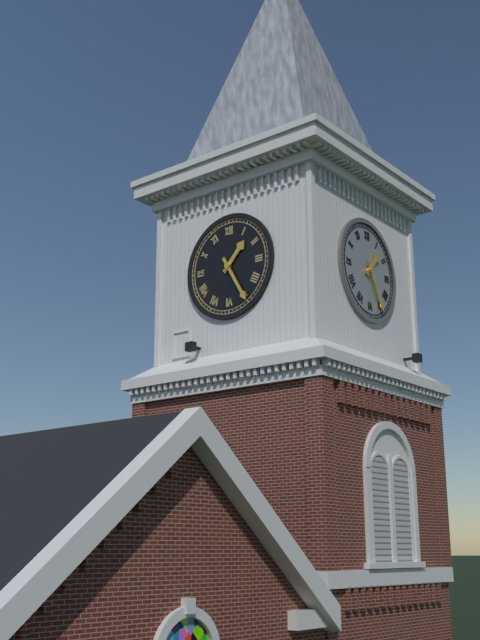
1:25
